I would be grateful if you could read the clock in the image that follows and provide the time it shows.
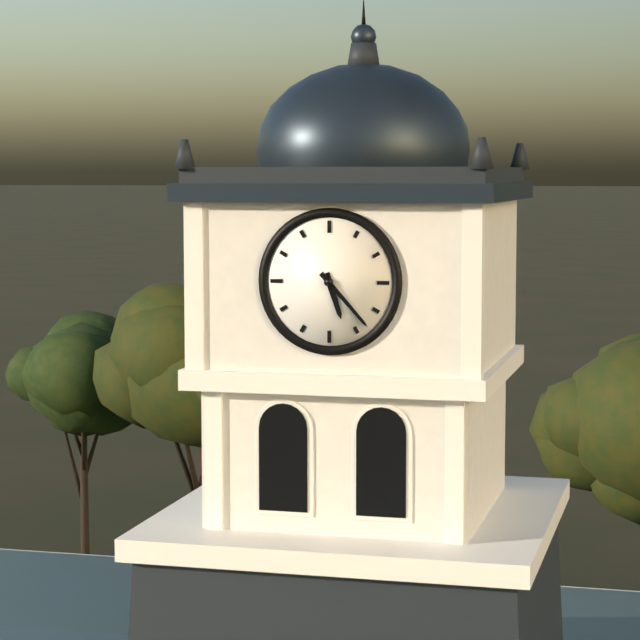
5:23
